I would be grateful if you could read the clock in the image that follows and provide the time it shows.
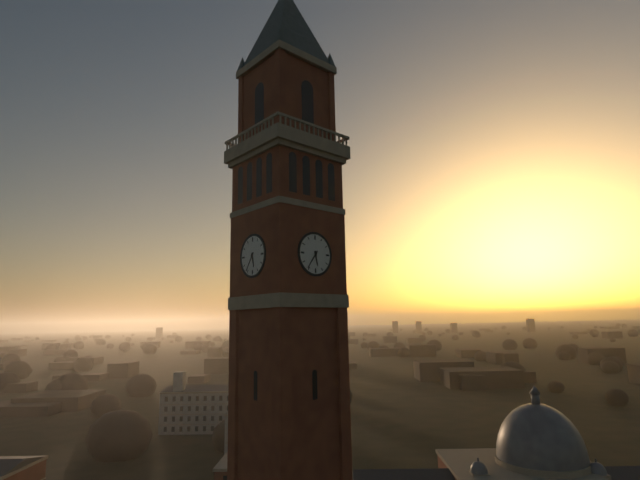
5:36
